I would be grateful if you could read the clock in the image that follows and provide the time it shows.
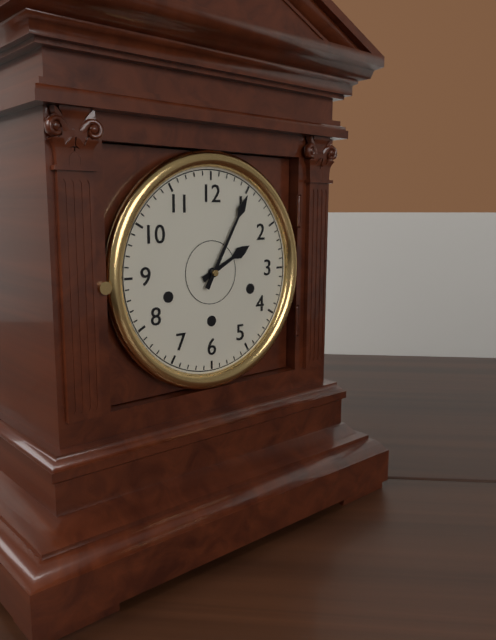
2:05
